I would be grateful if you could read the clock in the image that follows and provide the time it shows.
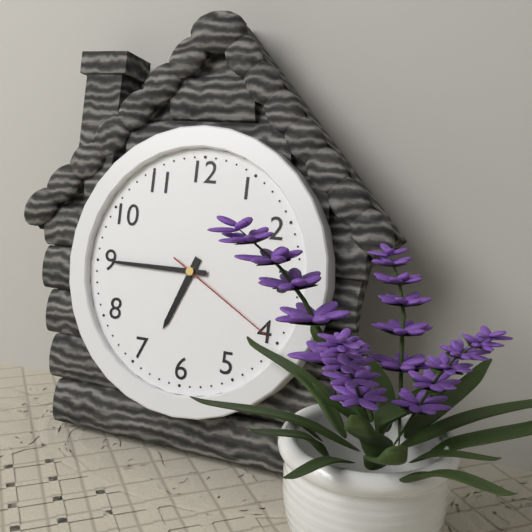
6:45:20
